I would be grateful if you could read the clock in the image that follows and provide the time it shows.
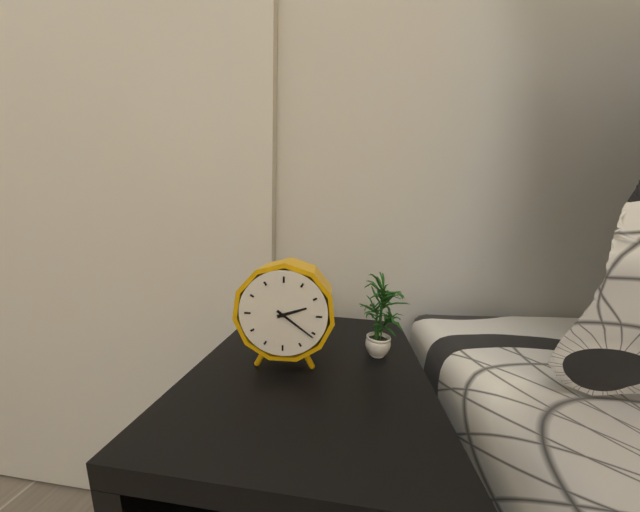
2:21
